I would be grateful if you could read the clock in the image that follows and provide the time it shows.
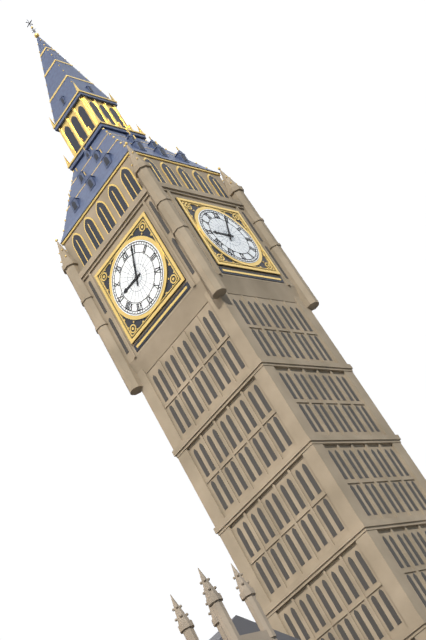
9:04
